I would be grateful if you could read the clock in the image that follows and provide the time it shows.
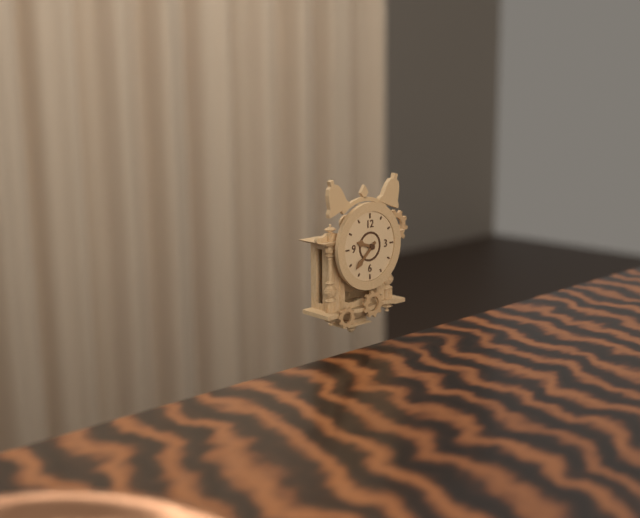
9:38
